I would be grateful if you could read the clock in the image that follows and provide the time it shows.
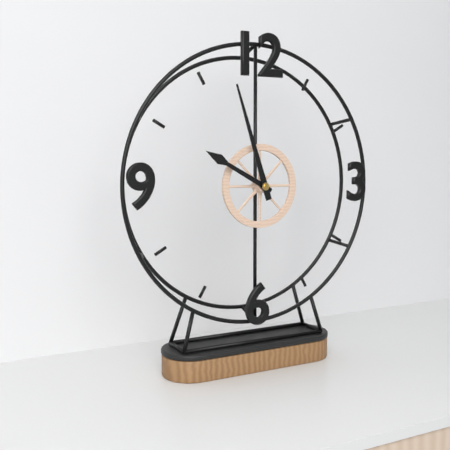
9:57
